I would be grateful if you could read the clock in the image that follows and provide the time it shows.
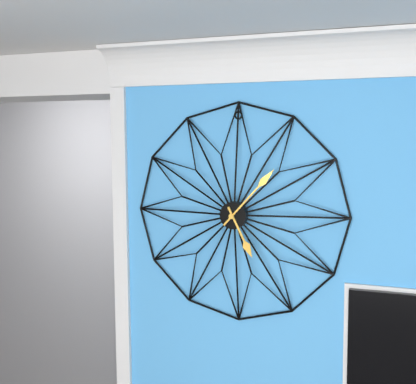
5:07
